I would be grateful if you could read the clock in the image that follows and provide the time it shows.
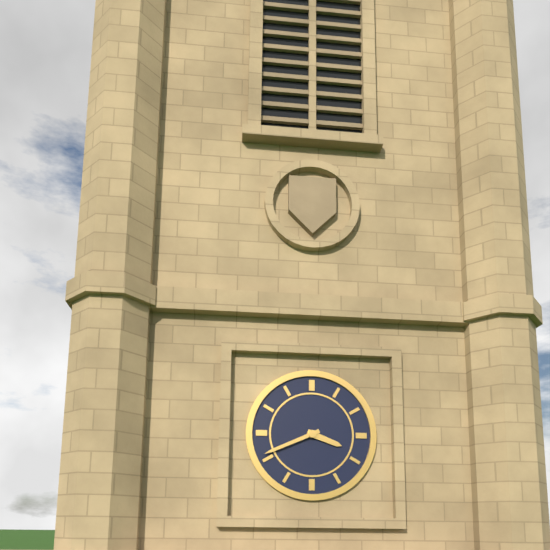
3:41
